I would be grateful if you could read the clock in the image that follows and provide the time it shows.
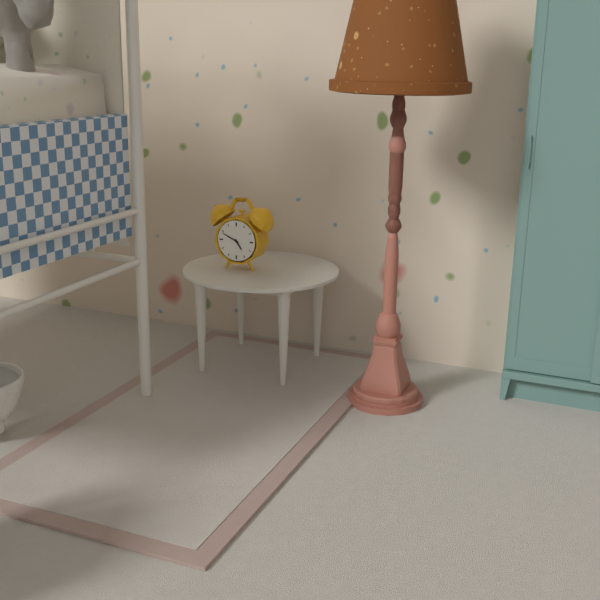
4:49
